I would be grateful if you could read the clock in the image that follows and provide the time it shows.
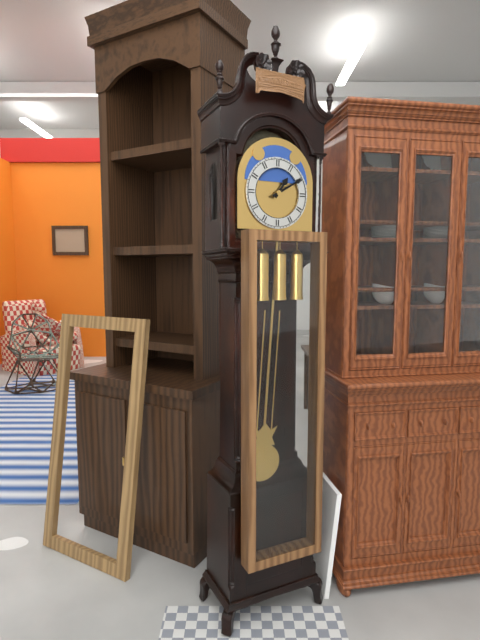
1:10
